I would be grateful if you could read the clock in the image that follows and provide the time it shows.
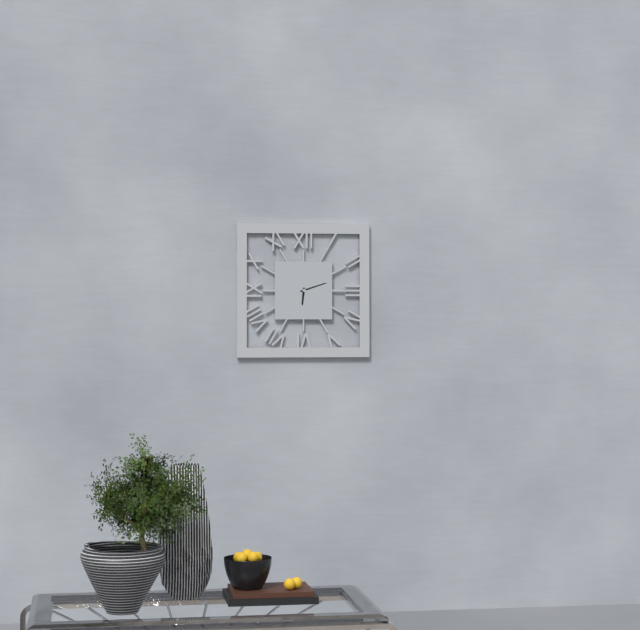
6:12
